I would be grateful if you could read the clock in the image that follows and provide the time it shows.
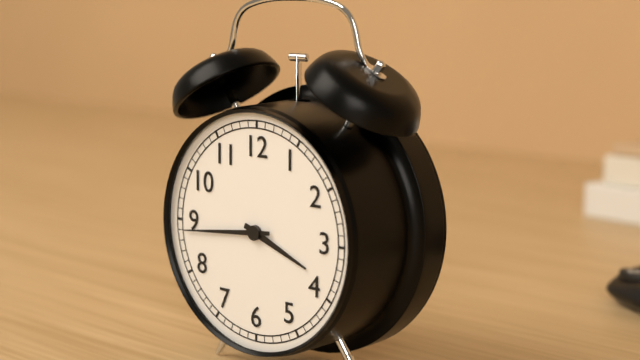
3:44
